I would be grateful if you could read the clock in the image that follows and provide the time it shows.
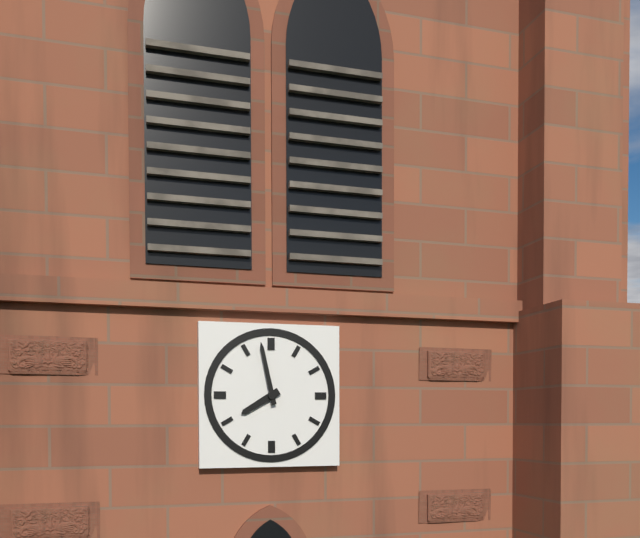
7:58
